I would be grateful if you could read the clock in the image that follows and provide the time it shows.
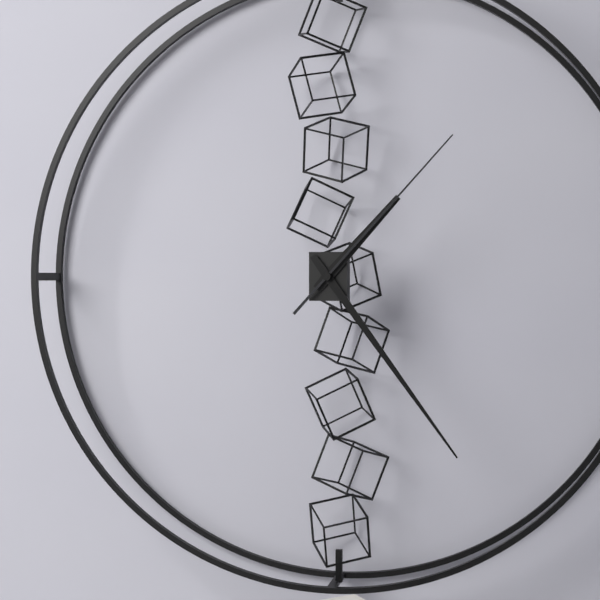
1:24:07
